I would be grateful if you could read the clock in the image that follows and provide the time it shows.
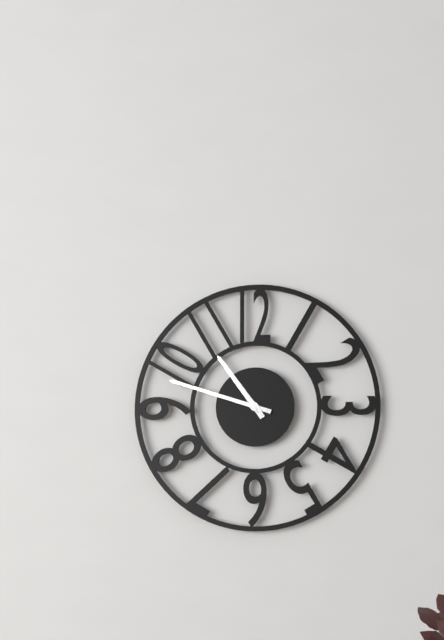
10:48
